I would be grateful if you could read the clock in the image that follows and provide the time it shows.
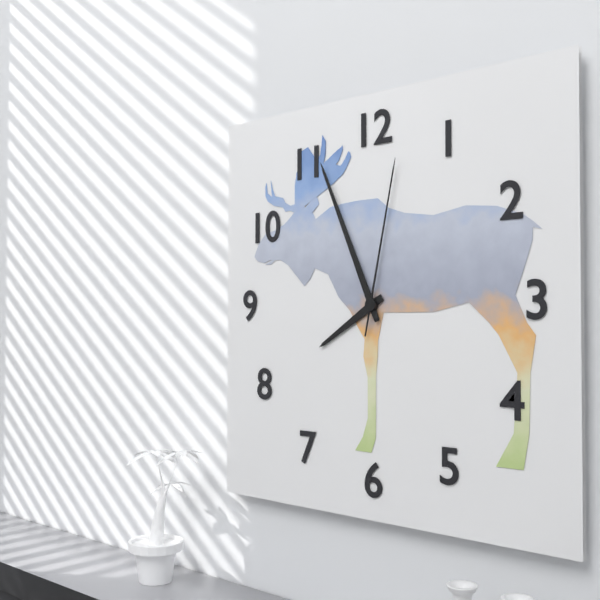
7:56:02
